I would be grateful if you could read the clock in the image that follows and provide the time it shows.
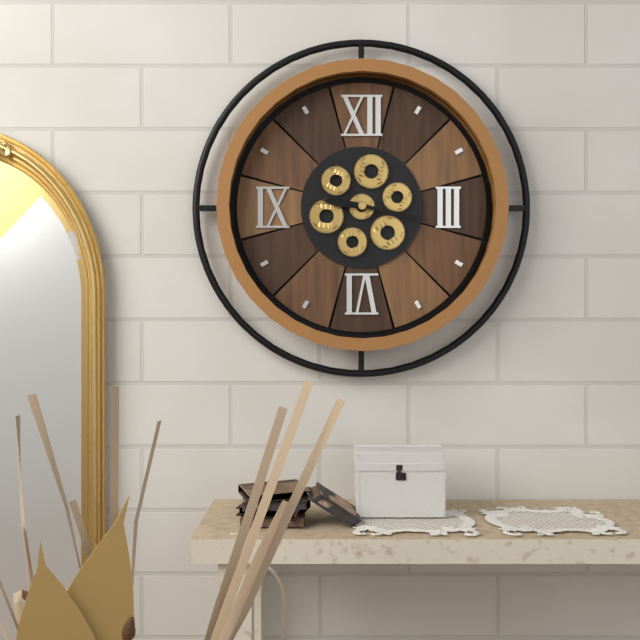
9:17
